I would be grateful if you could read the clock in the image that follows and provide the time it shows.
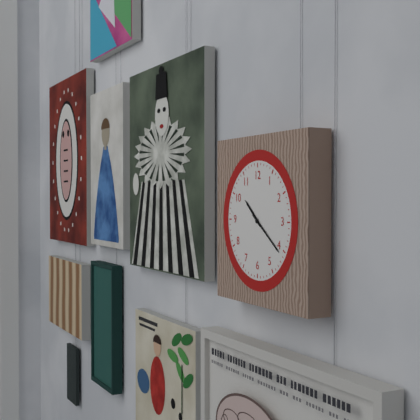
10:21
